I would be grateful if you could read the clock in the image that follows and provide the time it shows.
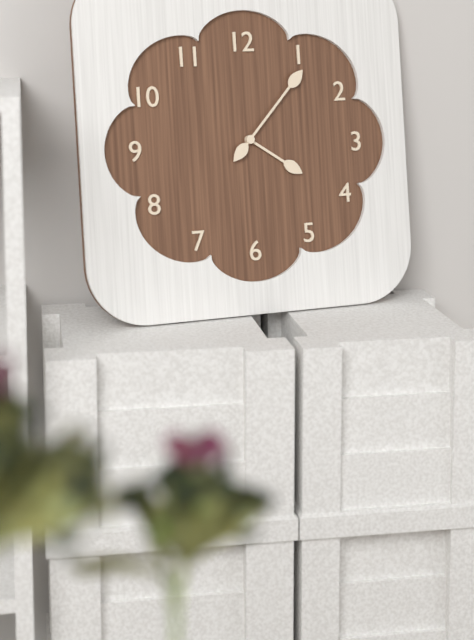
4:07
